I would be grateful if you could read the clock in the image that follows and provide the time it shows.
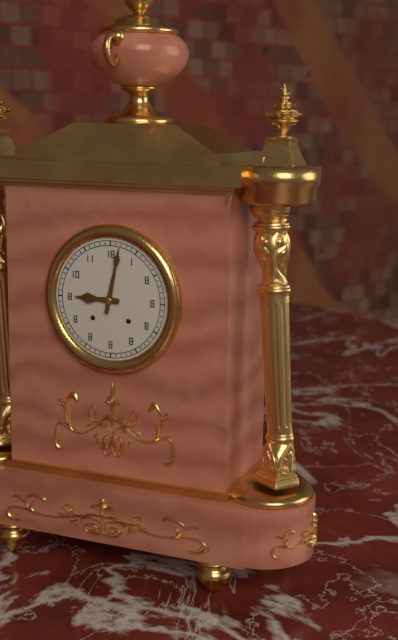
9:02
